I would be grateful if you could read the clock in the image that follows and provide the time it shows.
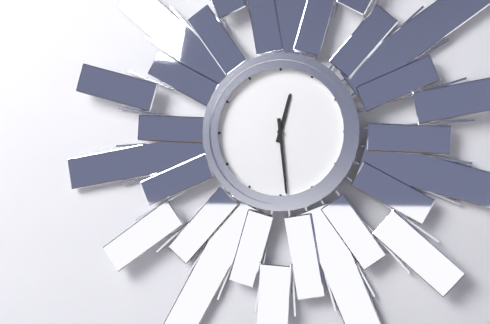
12:29
